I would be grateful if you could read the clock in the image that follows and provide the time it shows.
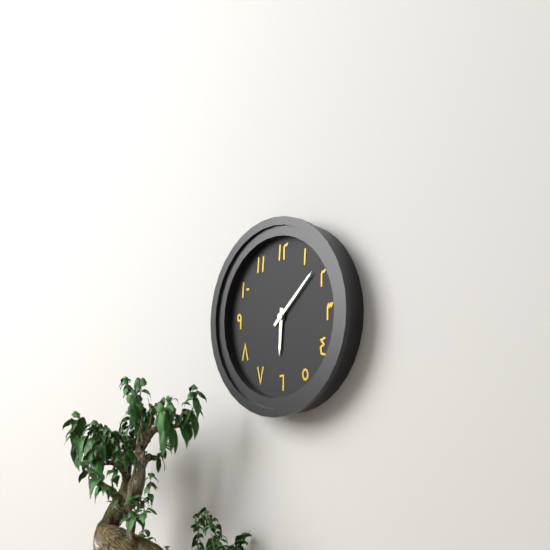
6:08
